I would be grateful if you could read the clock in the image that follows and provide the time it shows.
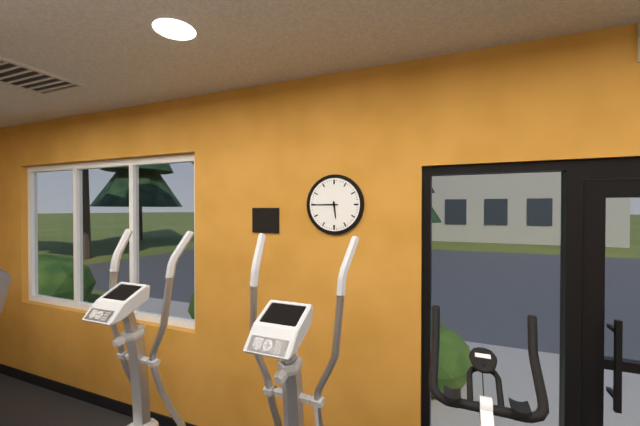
5:45
